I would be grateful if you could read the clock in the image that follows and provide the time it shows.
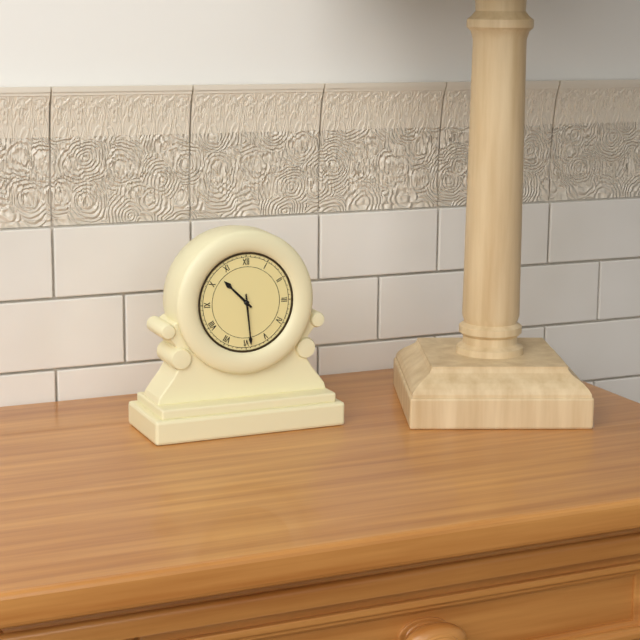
10:29
